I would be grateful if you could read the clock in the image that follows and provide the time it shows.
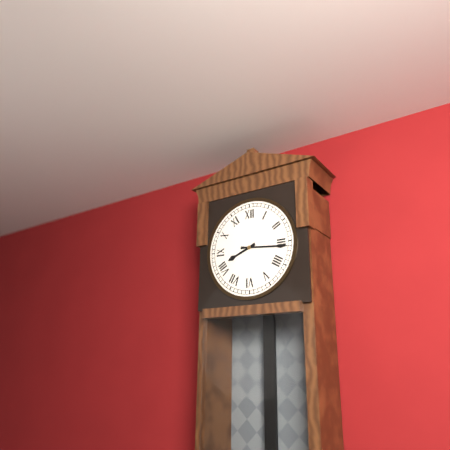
8:16
